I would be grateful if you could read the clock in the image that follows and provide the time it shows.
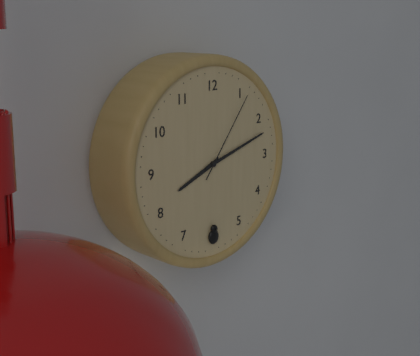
8:12:06
